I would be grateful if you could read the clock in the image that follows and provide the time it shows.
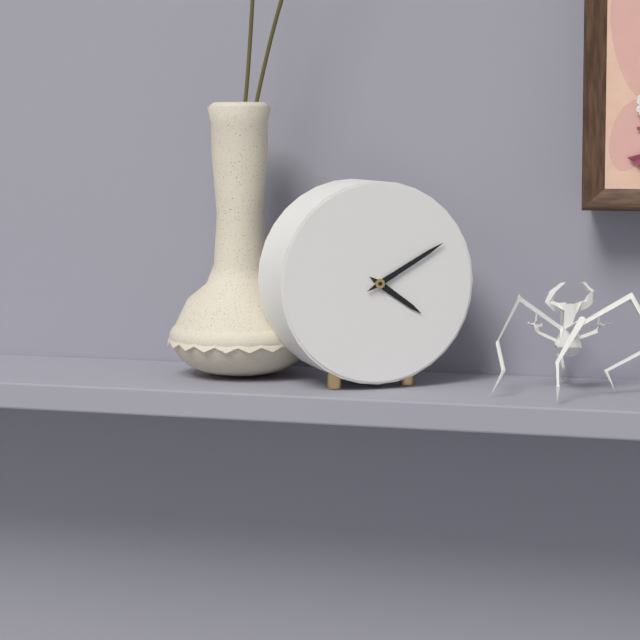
4:10
